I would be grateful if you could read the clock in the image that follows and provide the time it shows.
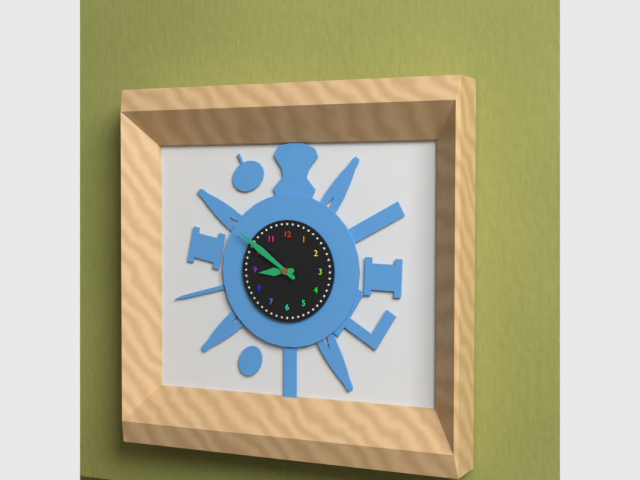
8:51
